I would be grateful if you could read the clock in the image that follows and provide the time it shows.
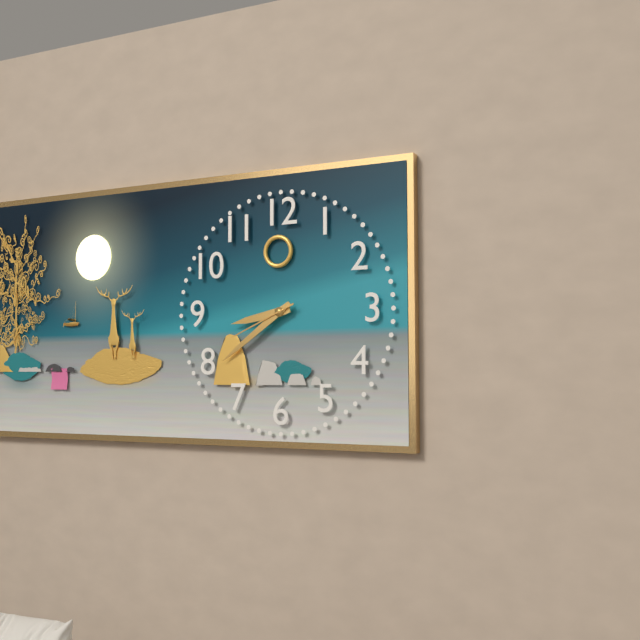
8:39:41
